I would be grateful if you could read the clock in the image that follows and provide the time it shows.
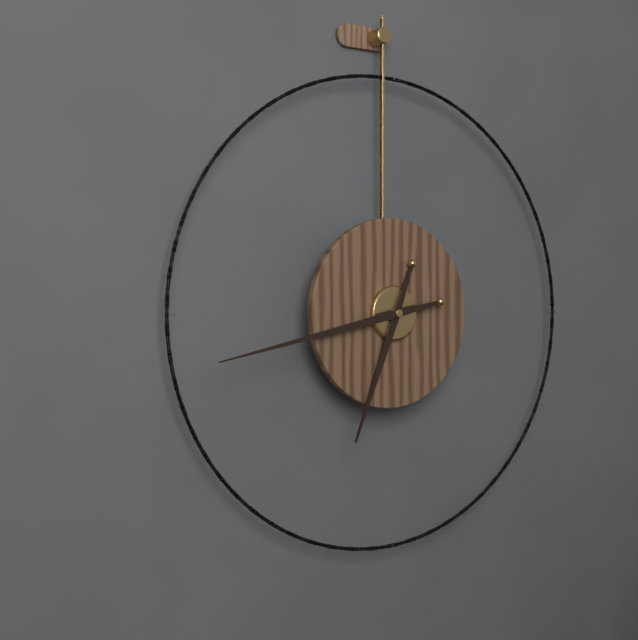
6:43
